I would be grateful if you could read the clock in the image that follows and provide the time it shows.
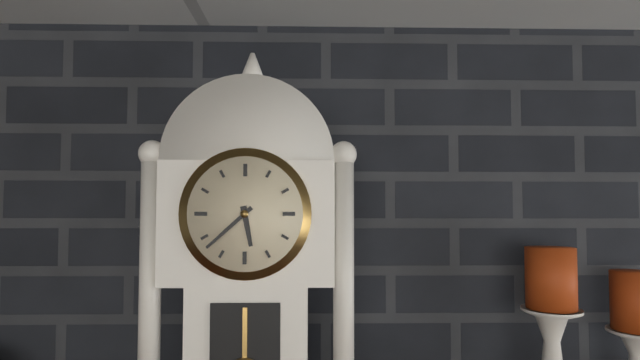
5:38
